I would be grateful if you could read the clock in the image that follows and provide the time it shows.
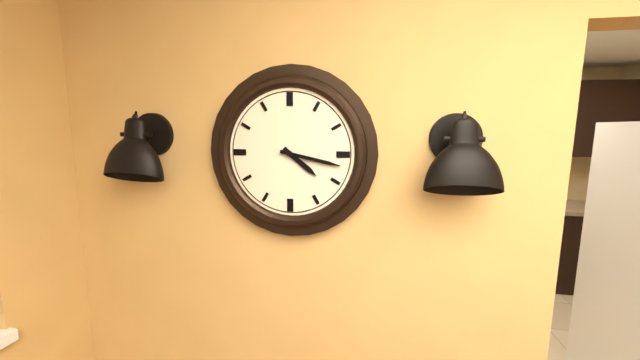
4:17
